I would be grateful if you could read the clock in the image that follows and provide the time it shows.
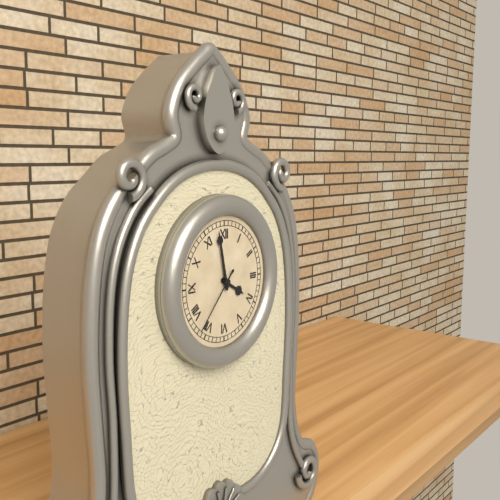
3:58:37
